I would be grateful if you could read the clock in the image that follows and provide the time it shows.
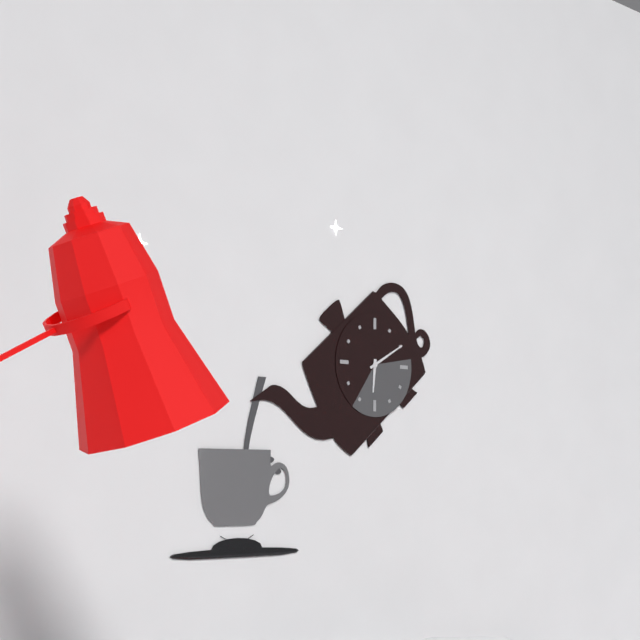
6:10
